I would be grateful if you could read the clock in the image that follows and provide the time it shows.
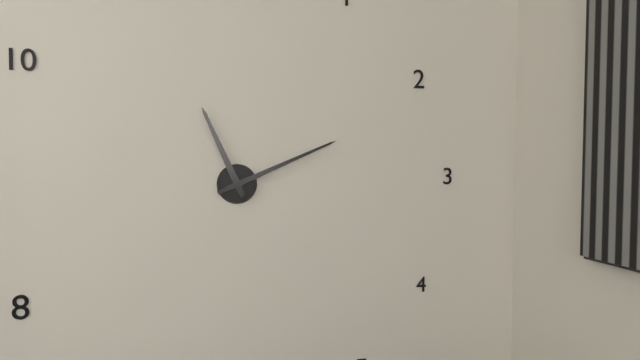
11:11
